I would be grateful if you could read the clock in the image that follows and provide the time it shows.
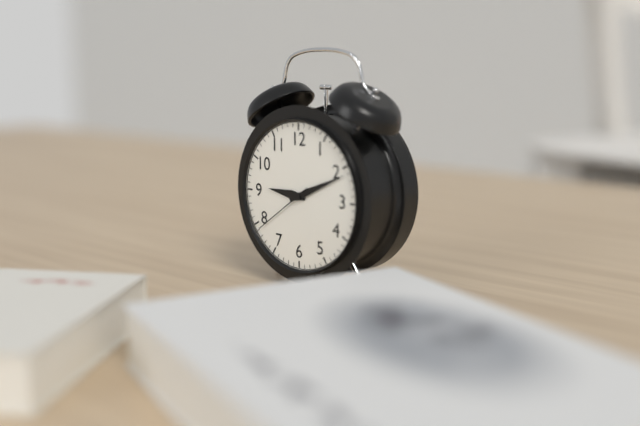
9:11:39
